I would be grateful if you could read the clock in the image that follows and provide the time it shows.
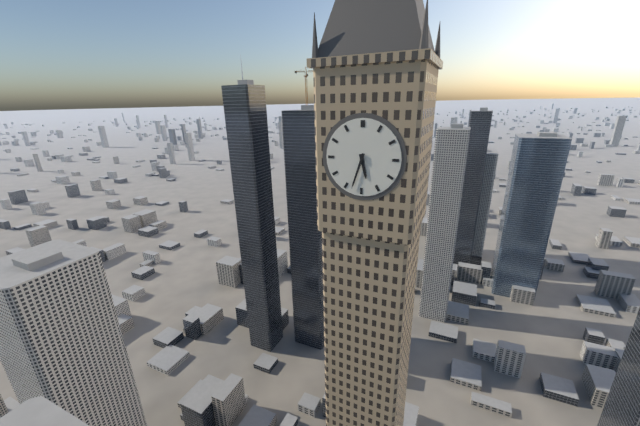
5:33
